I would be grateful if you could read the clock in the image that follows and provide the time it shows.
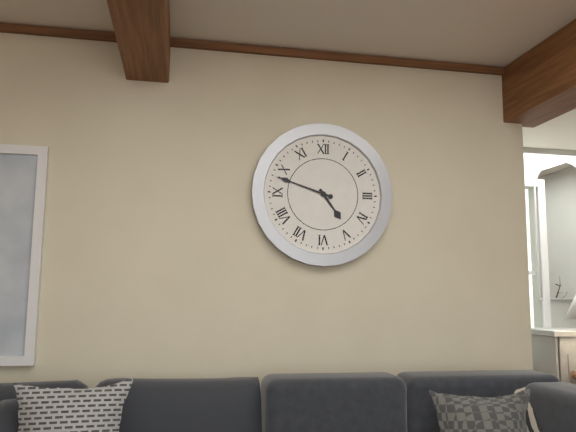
4:48
